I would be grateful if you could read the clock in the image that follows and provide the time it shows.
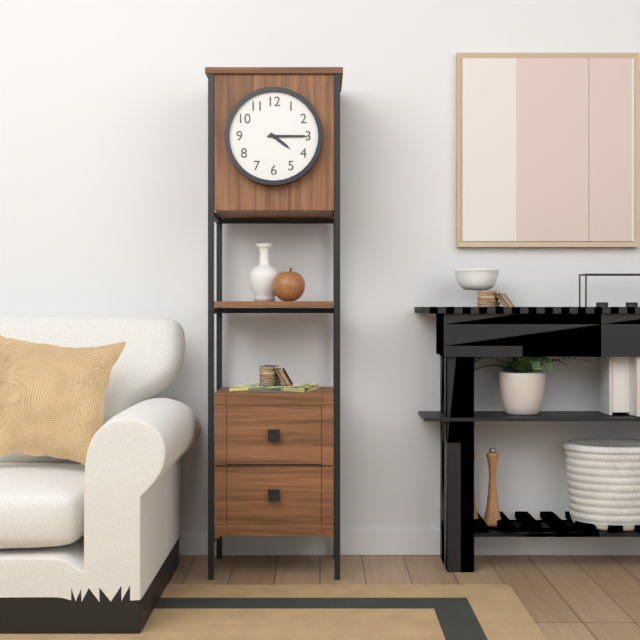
4:15
